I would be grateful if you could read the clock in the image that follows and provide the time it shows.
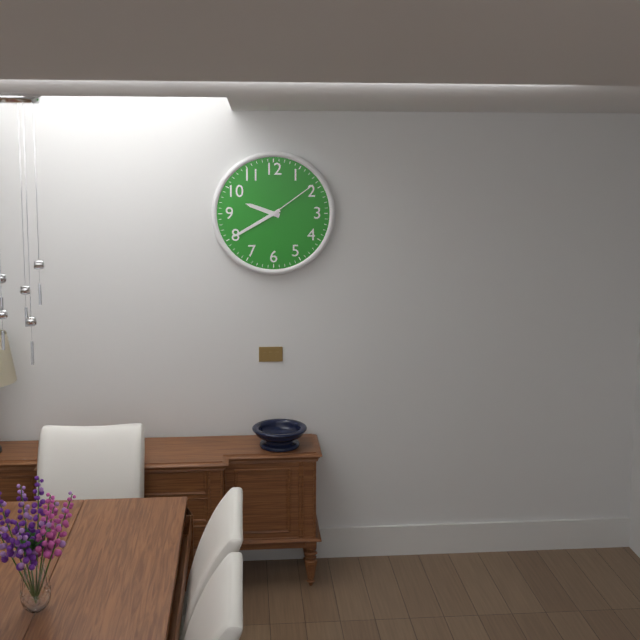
9:40:09
